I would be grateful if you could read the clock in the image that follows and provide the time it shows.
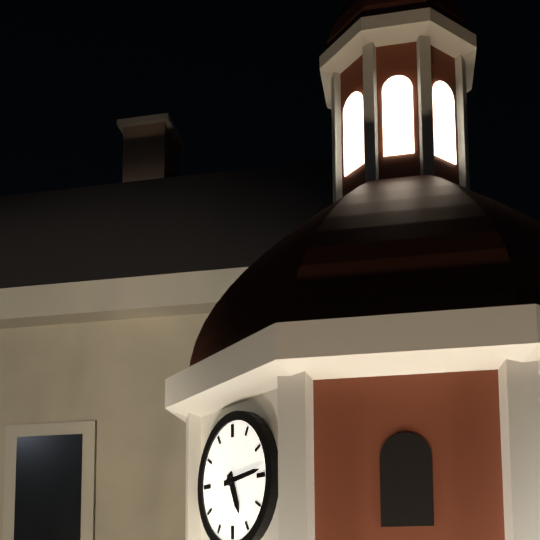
5:14
